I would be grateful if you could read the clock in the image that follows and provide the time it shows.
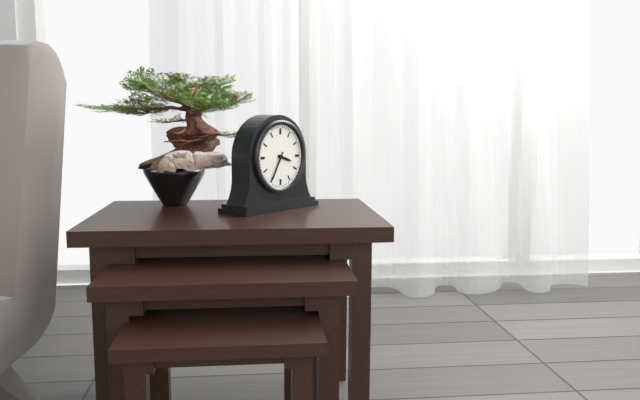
3:35
